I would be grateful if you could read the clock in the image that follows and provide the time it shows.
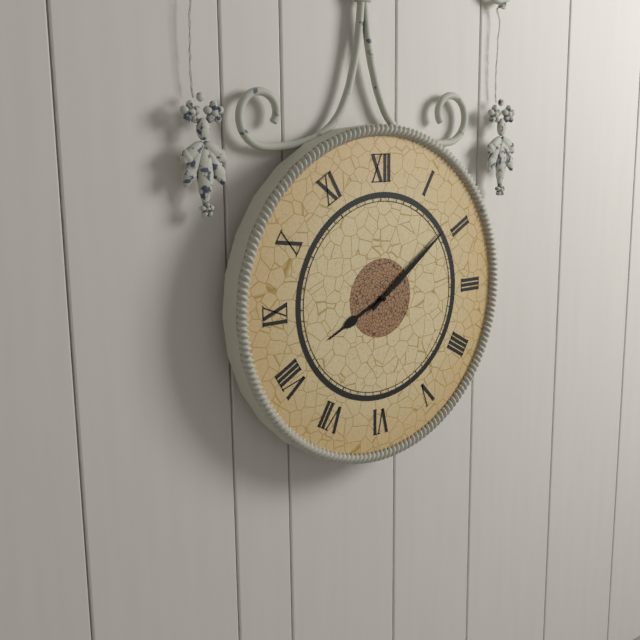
8:09
